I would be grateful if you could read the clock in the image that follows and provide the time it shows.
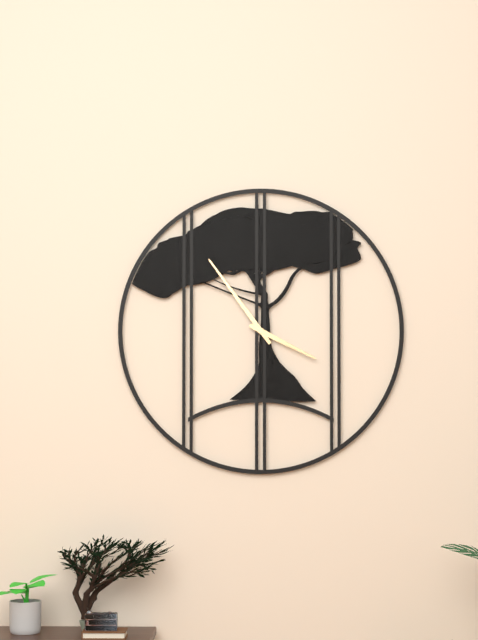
3:54
